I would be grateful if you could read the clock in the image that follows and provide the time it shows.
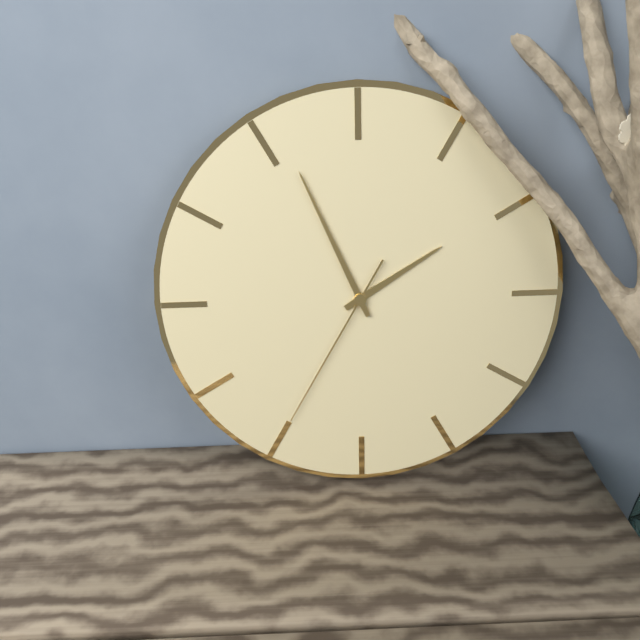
1:56:35
